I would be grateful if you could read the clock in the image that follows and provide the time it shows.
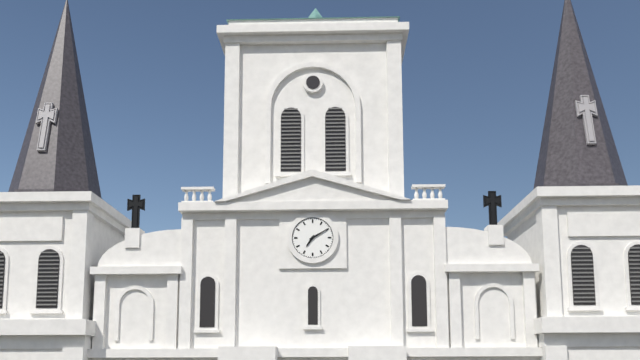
7:10
